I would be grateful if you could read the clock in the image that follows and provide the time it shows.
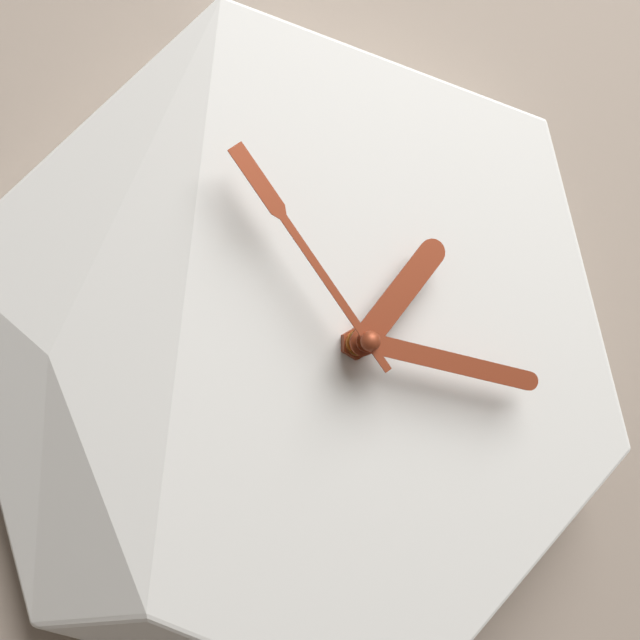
1:17:54
